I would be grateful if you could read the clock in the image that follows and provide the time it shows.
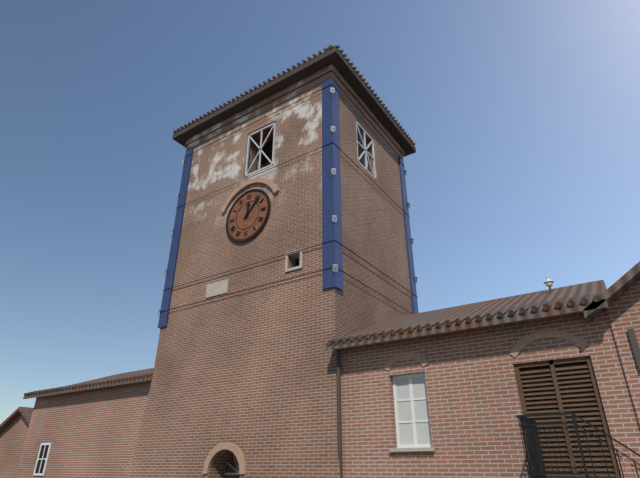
12:07
